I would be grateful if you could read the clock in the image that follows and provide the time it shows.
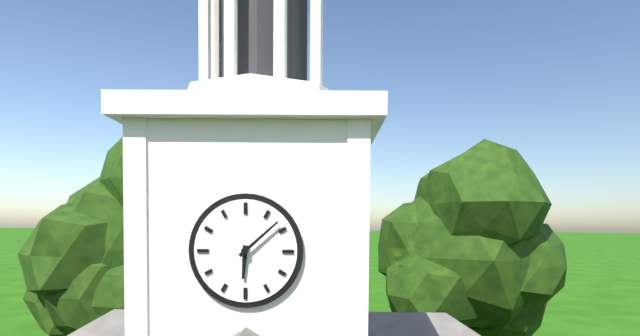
6:08
